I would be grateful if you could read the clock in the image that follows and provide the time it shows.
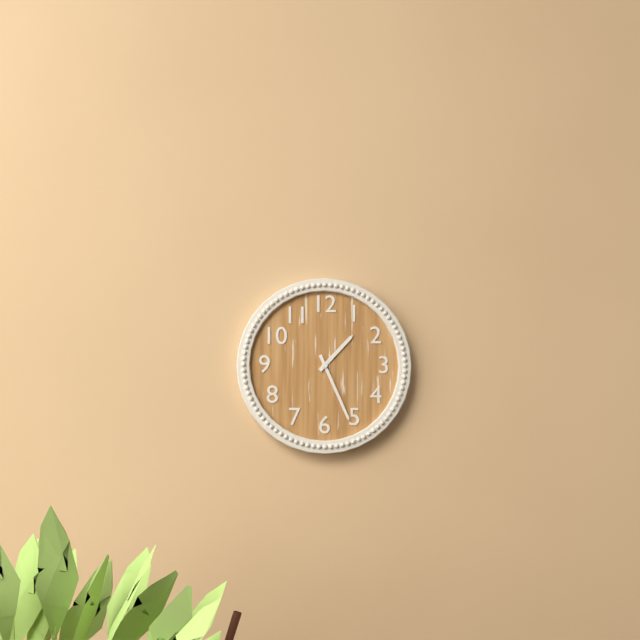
1:26
